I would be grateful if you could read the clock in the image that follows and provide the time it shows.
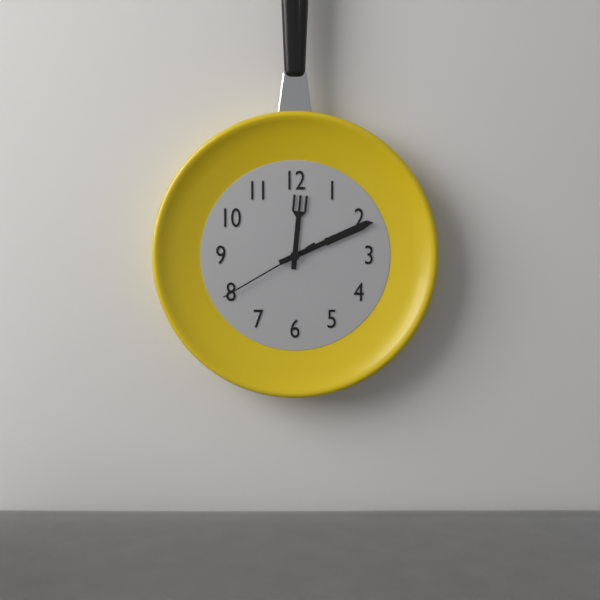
12:11:40
